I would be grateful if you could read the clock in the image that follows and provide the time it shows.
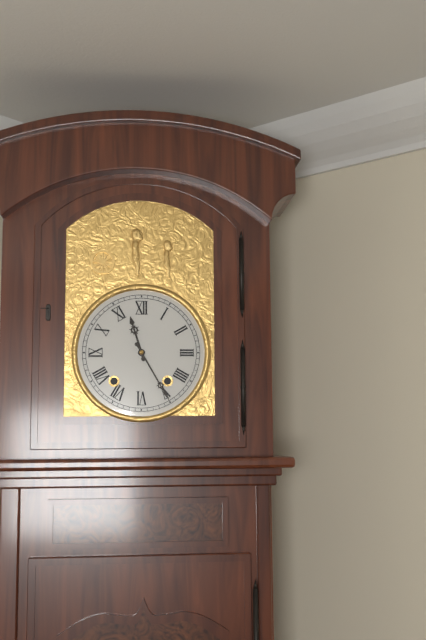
11:25
